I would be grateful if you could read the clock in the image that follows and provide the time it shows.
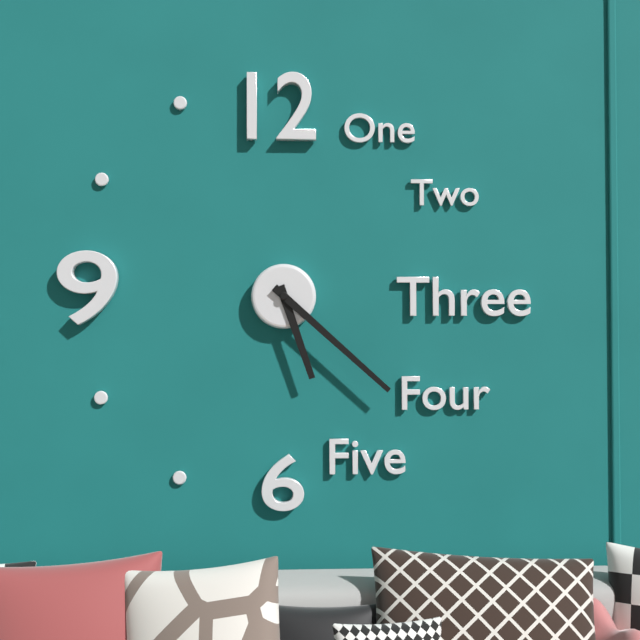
5:22
